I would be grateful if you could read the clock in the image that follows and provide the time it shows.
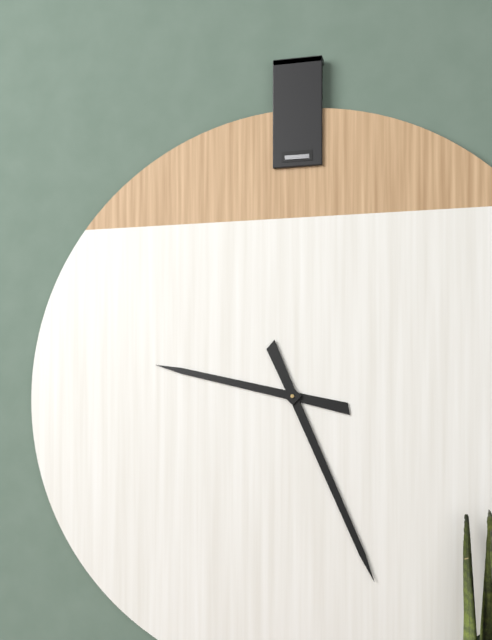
9:26
